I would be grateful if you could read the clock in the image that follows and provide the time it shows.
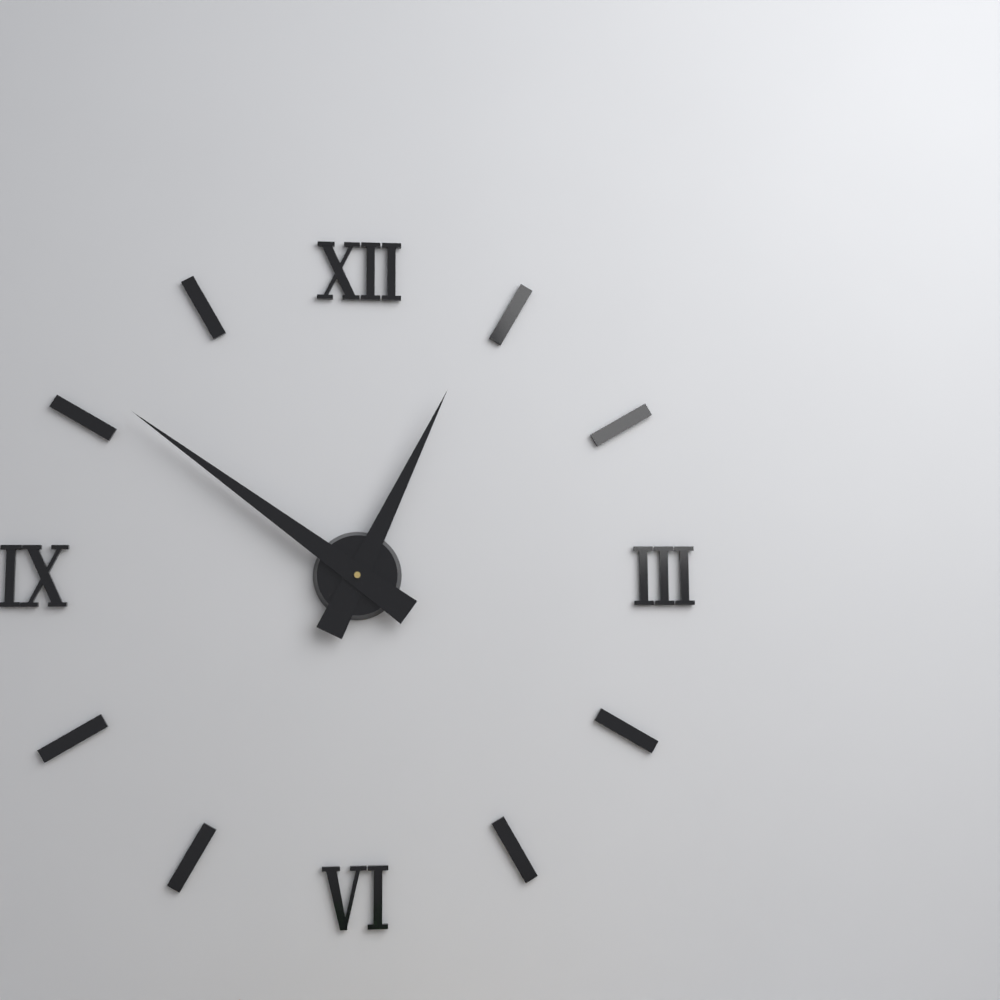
12:51
